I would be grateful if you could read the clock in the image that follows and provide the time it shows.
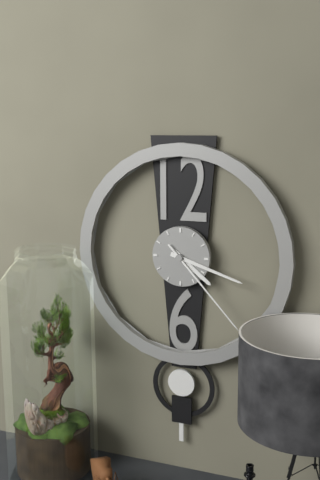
4:18:23
